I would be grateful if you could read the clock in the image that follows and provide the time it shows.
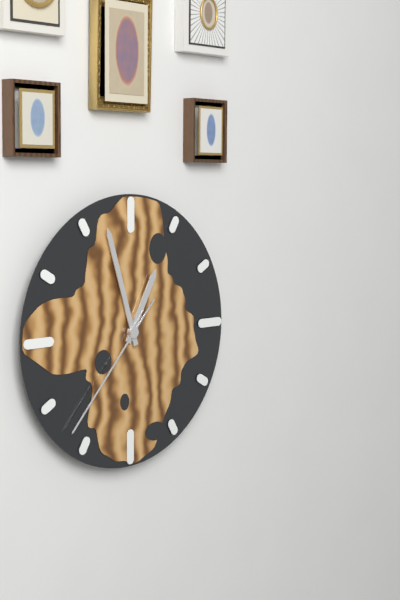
12:57:37
